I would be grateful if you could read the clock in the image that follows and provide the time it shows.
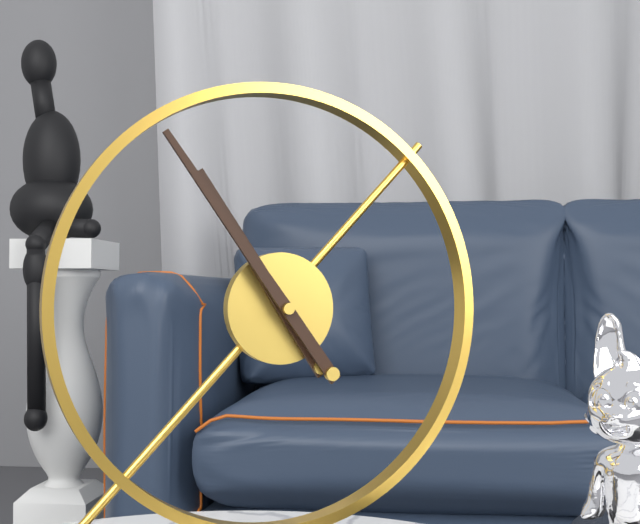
10:54
